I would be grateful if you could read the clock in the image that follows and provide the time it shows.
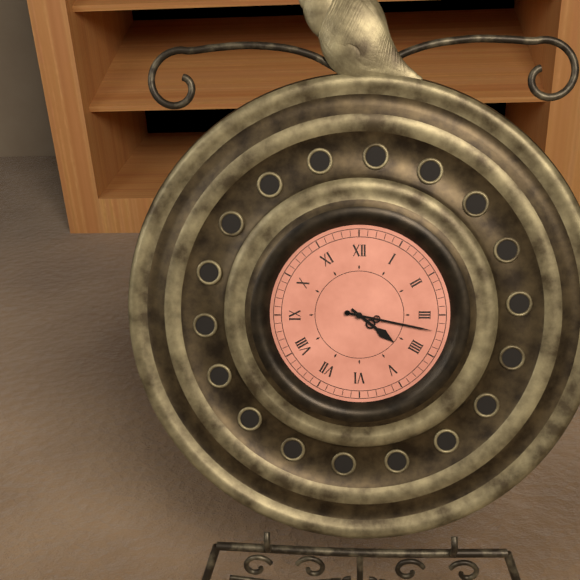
4:17
